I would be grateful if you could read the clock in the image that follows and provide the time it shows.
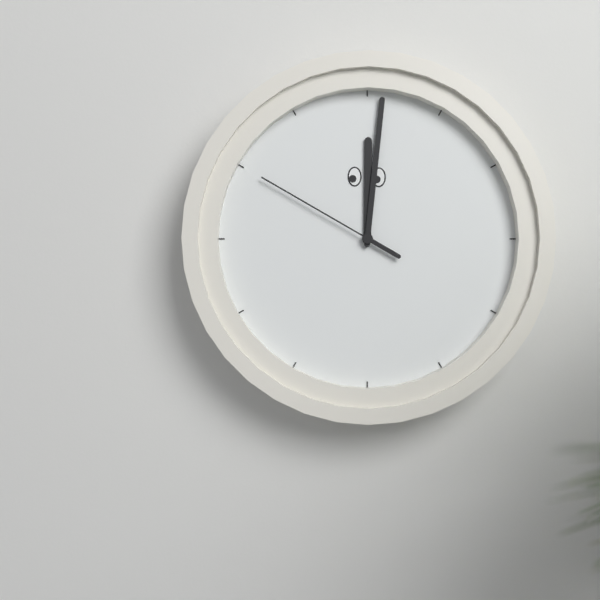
12:01:50
